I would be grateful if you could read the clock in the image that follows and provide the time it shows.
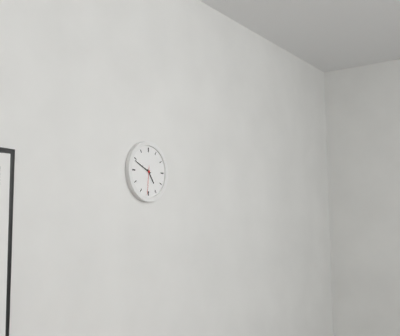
4:49
